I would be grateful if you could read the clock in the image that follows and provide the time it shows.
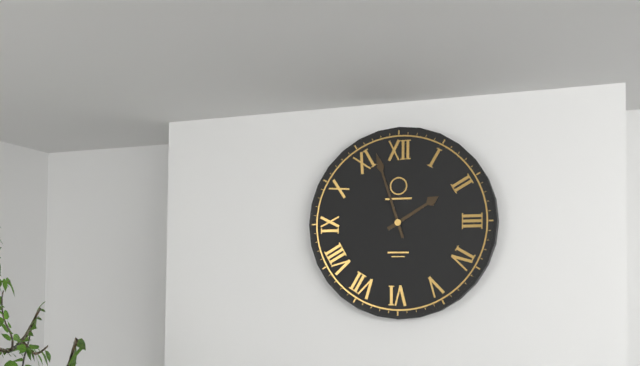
1:57
